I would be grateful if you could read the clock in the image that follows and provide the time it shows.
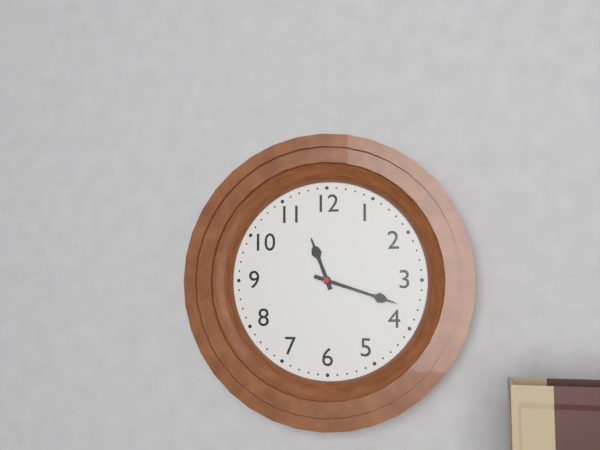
11:18
